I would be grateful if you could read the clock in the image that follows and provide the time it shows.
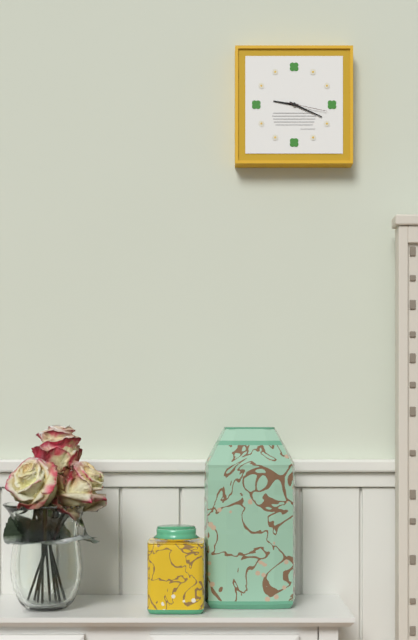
9:19
